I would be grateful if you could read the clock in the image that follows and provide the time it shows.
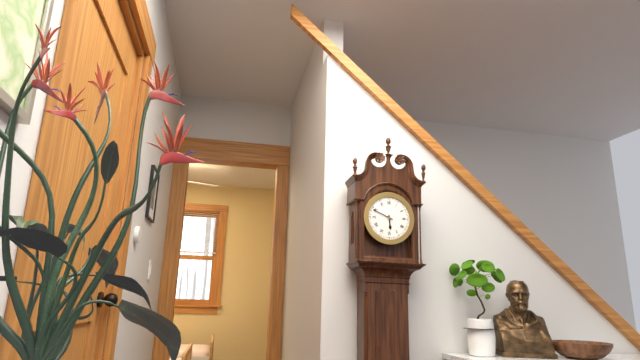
5:49
